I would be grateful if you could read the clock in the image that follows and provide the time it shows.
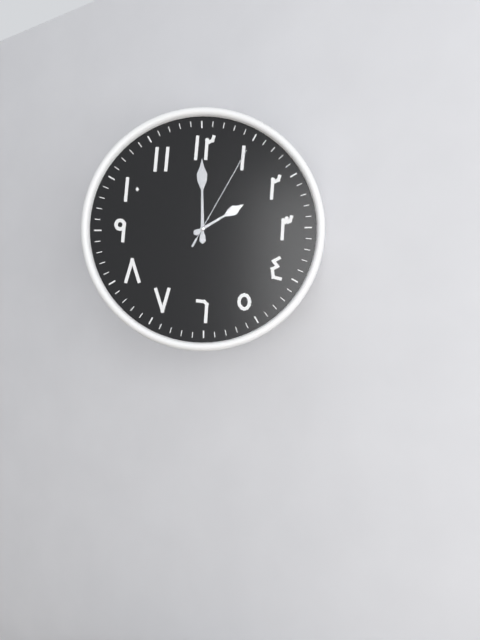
2:00:05
